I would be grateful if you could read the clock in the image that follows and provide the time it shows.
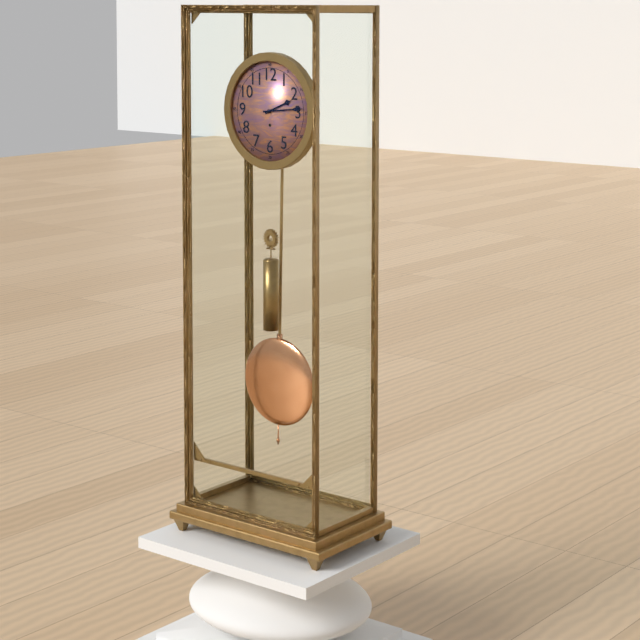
2:14
